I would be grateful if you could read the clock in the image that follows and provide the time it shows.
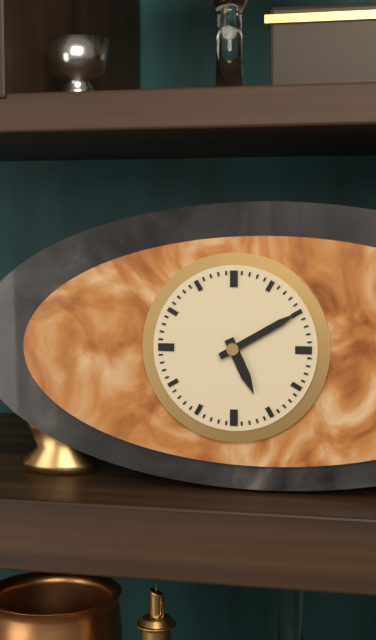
5:10
